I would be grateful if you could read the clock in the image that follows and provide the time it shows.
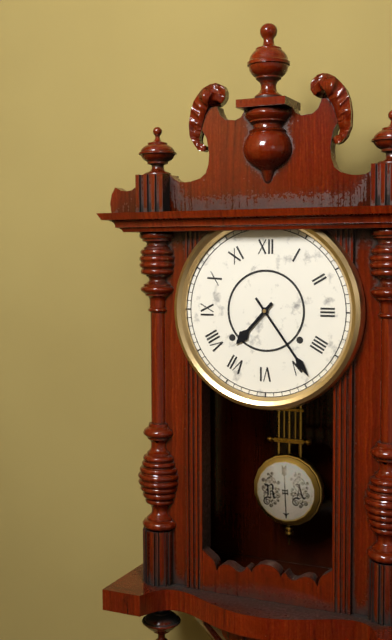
7:24
